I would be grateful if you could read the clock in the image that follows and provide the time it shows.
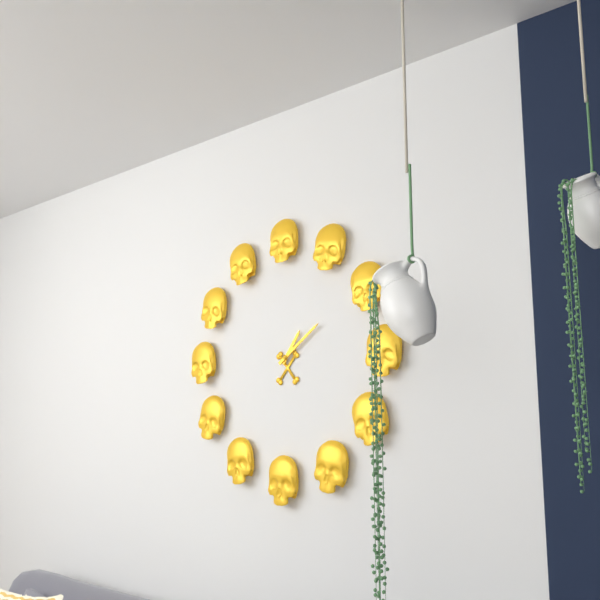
1:09
